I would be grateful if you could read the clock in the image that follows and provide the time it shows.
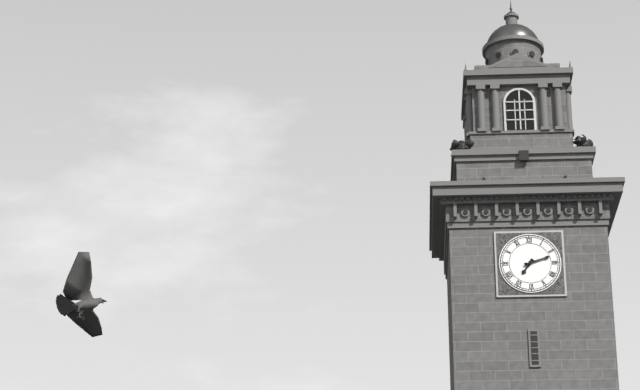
7:12
